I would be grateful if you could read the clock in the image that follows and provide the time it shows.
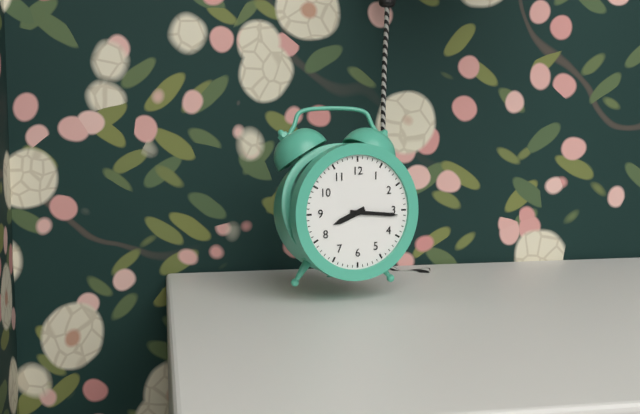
8:16
